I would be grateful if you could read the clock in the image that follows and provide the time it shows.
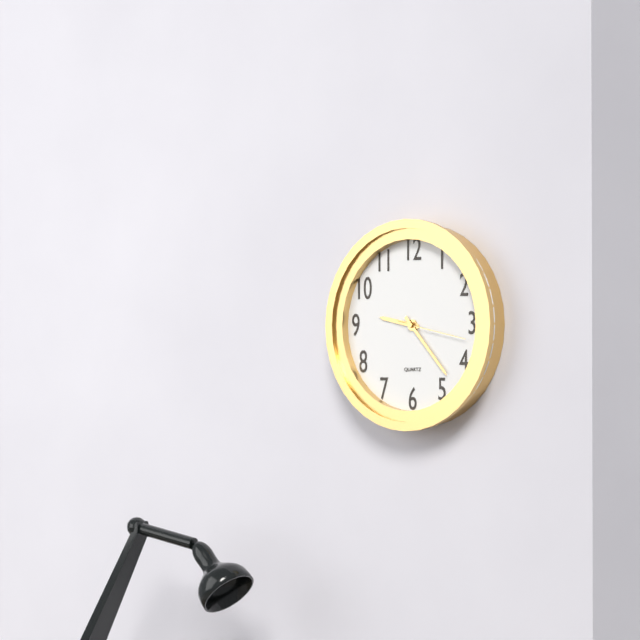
9:23:17
